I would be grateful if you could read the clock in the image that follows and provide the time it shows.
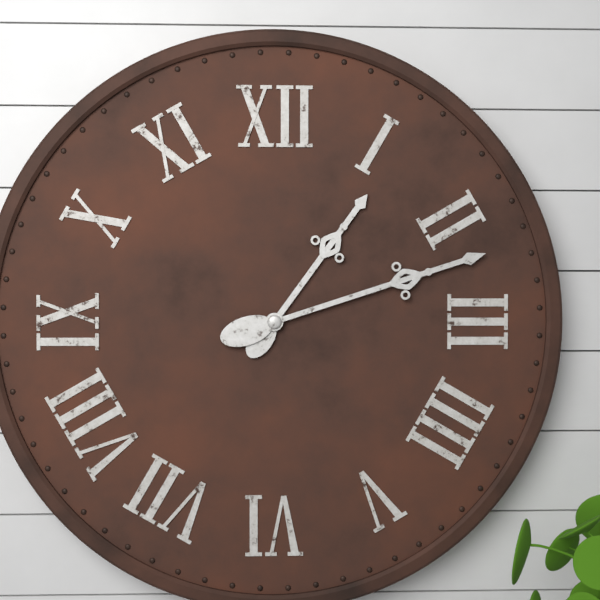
1:12
